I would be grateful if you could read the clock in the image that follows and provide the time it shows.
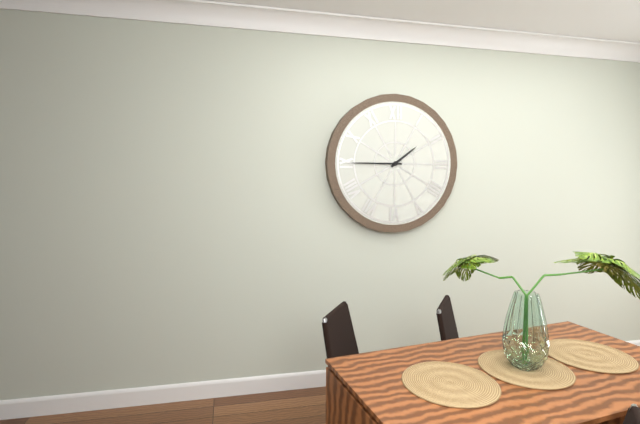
1:45
